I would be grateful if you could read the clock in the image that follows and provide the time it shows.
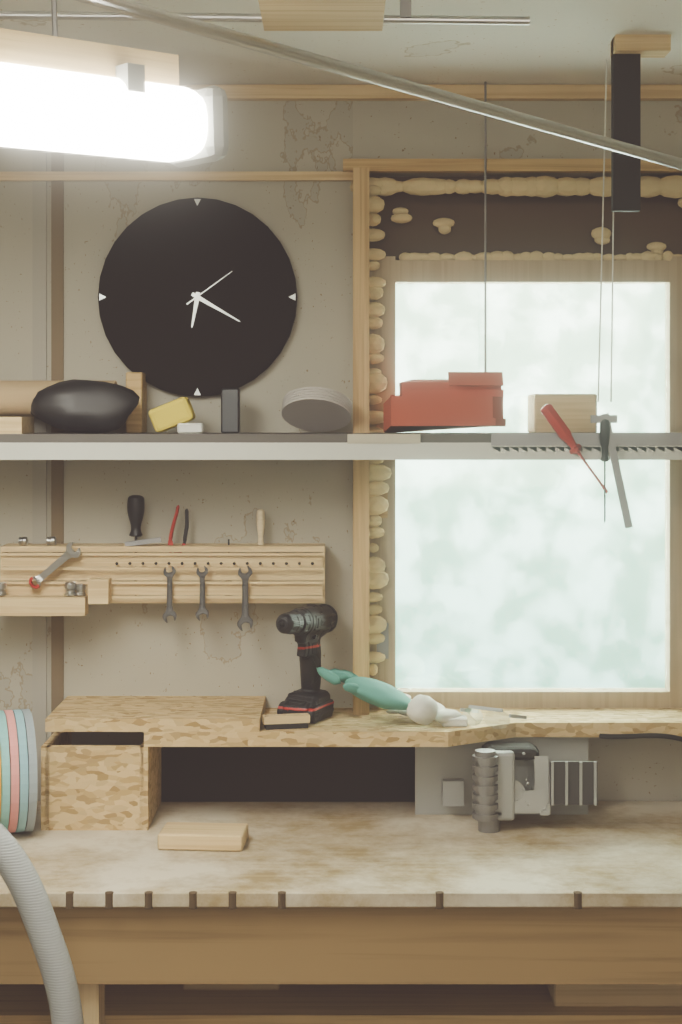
6:20:09
